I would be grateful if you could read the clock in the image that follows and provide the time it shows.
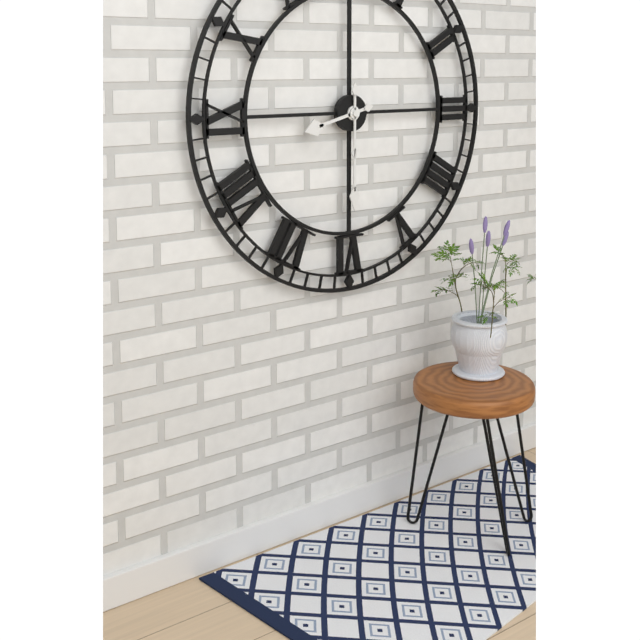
8:30
